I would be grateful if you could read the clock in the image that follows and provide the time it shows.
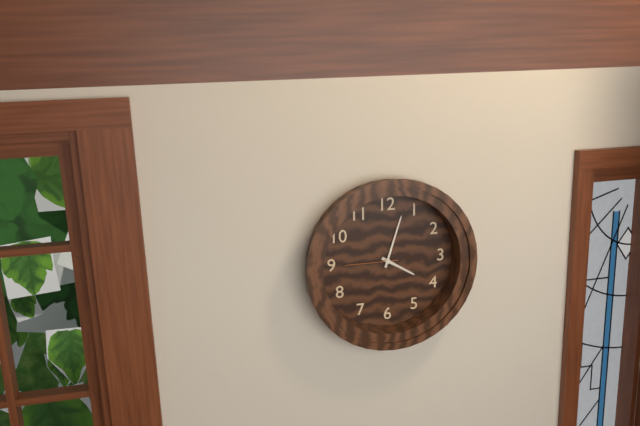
4:03:45
